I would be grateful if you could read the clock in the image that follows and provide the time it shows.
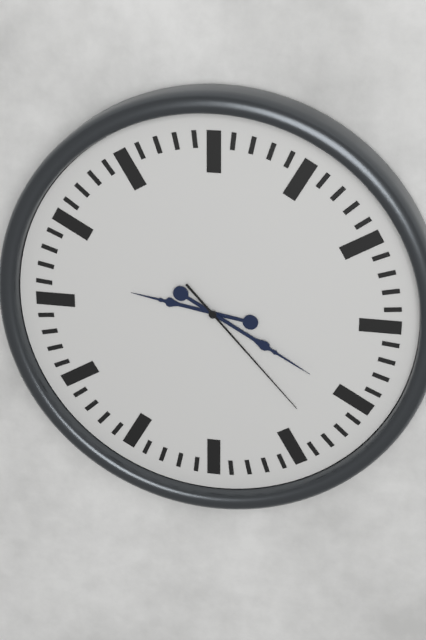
9:20:23
